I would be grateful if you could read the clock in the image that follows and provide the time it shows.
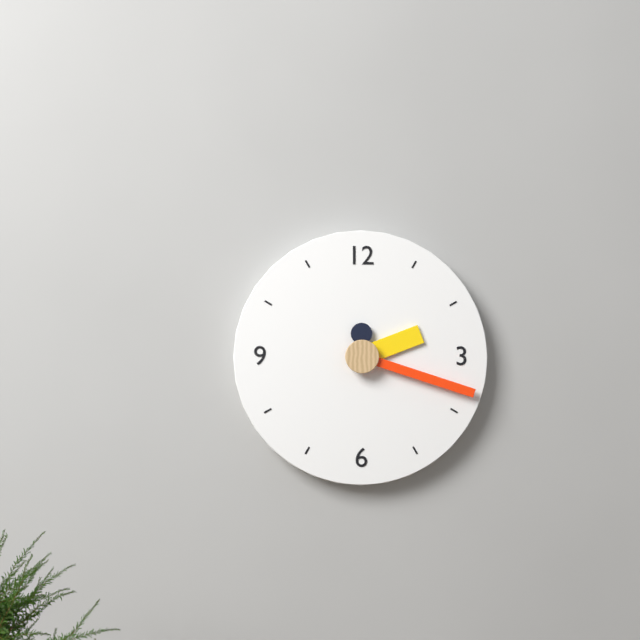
2:18
